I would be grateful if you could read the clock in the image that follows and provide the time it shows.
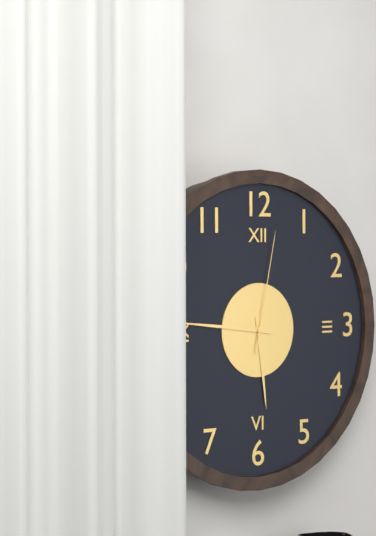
5:46:02
